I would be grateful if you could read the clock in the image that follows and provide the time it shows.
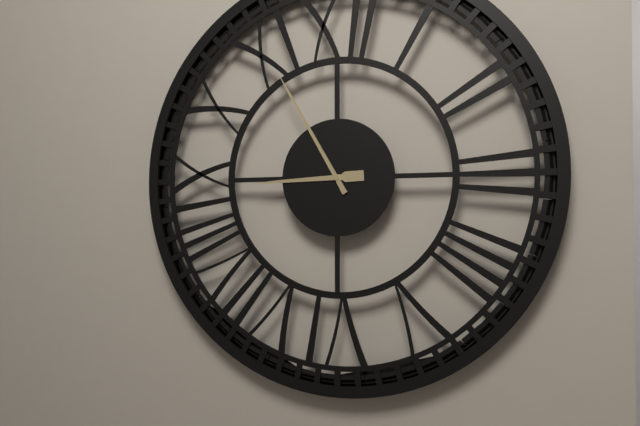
8:55
